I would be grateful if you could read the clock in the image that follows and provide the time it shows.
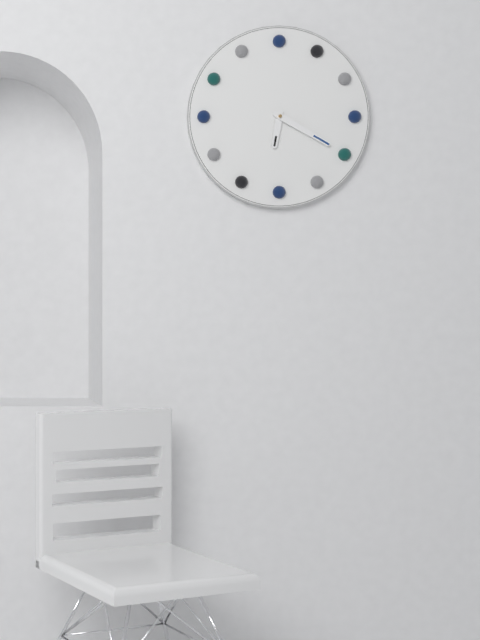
6:20
